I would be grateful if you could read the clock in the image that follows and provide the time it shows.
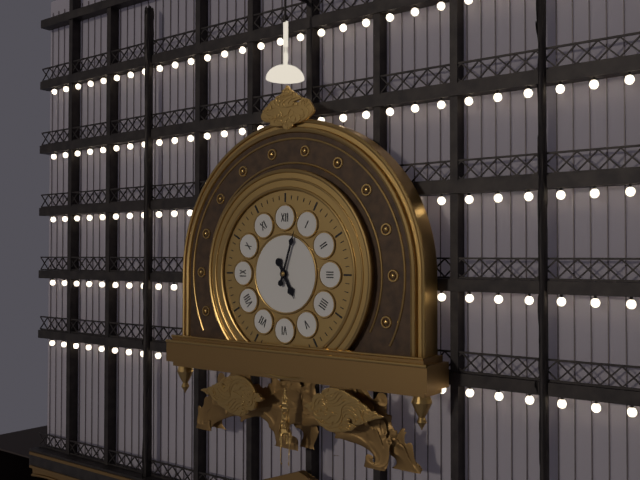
5:03
